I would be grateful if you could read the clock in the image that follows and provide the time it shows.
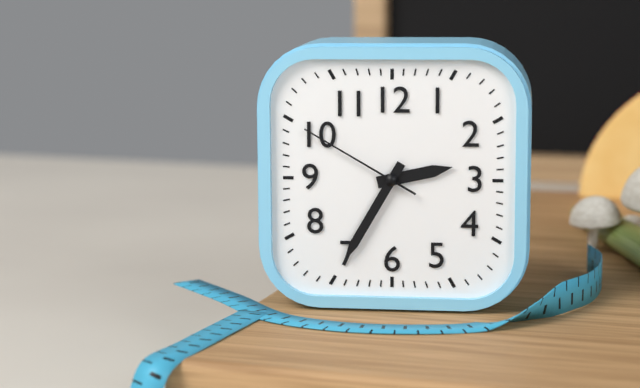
2:35:50
